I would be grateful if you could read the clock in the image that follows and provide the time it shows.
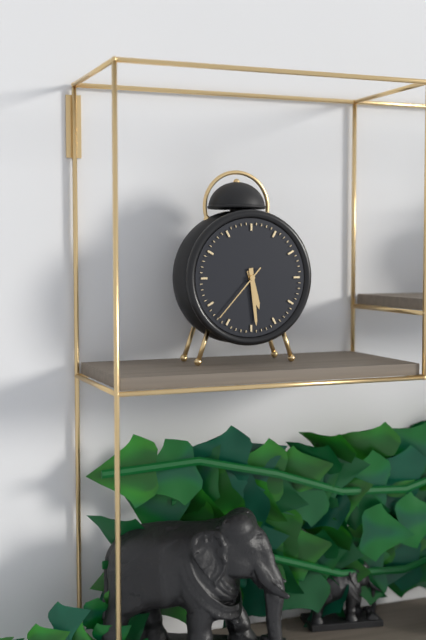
5:29:37
